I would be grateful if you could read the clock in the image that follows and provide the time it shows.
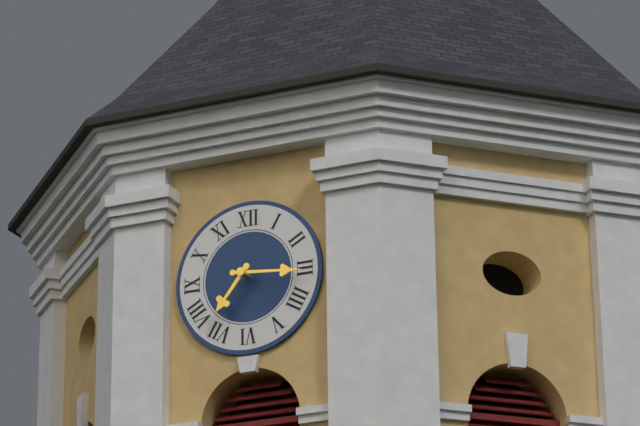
7:16
